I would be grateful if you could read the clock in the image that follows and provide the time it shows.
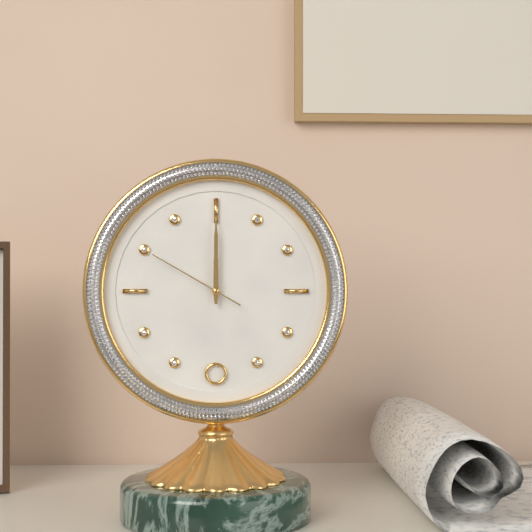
12:00:50
